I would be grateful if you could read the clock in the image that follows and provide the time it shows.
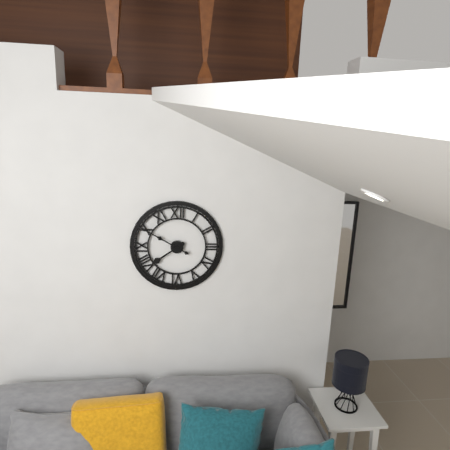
7:50
